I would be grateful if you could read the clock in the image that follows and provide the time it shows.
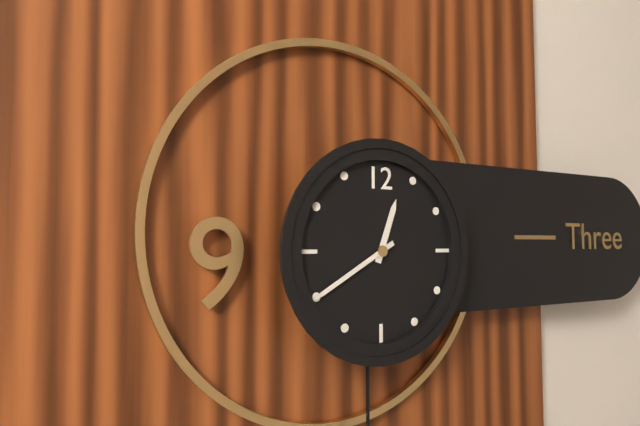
12:40
